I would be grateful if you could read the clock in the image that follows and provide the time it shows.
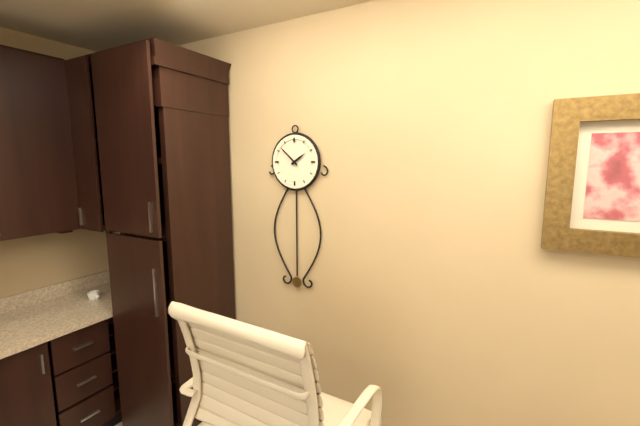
1:52
